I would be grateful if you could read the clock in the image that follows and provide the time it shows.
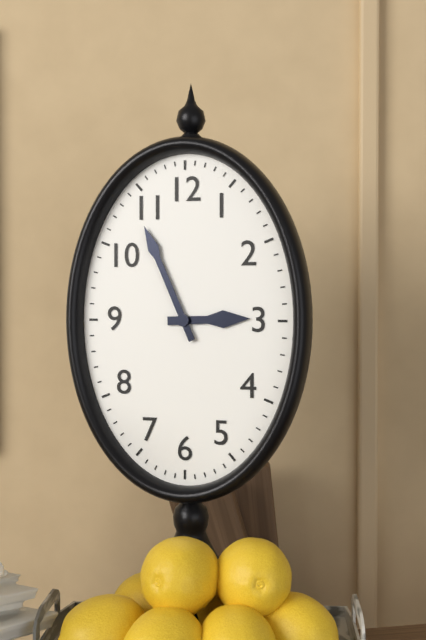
2:56
